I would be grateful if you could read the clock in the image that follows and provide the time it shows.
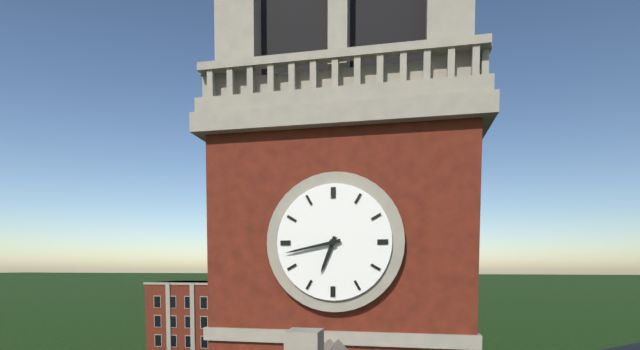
6:43
